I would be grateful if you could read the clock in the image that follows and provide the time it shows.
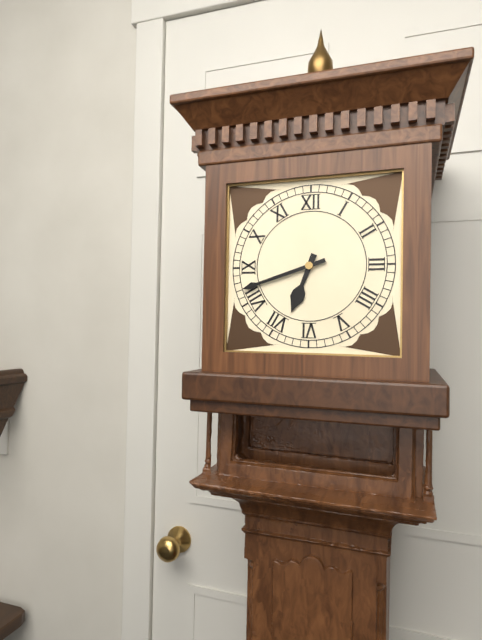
6:42
